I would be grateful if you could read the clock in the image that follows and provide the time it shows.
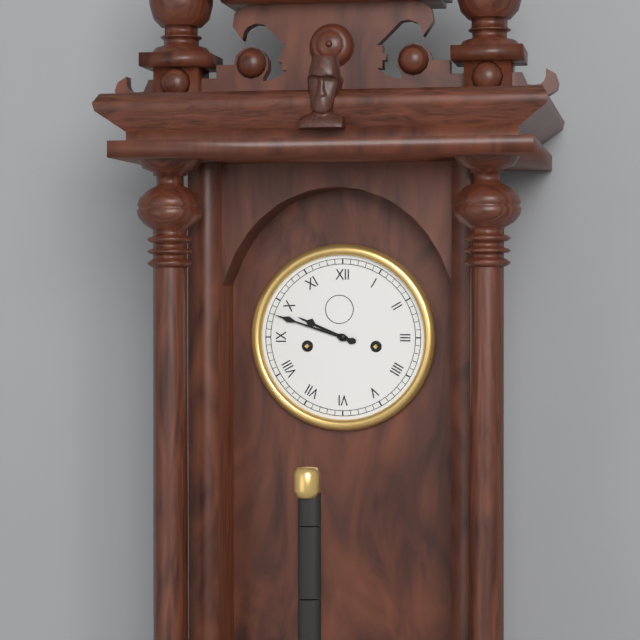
9:48
